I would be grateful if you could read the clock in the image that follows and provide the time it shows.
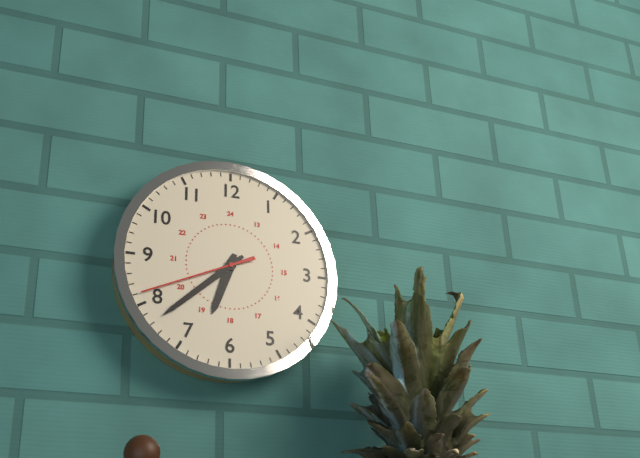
6:38:41
